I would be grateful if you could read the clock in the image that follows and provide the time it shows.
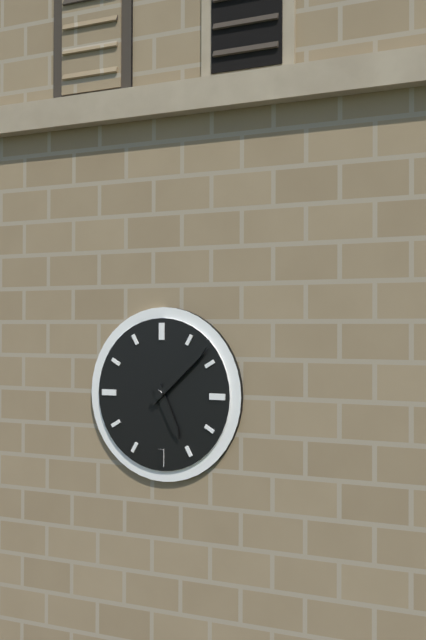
5:08
